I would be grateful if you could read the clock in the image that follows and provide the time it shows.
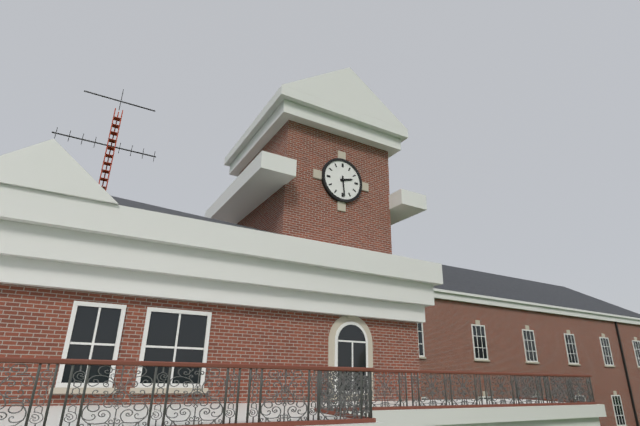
2:29
